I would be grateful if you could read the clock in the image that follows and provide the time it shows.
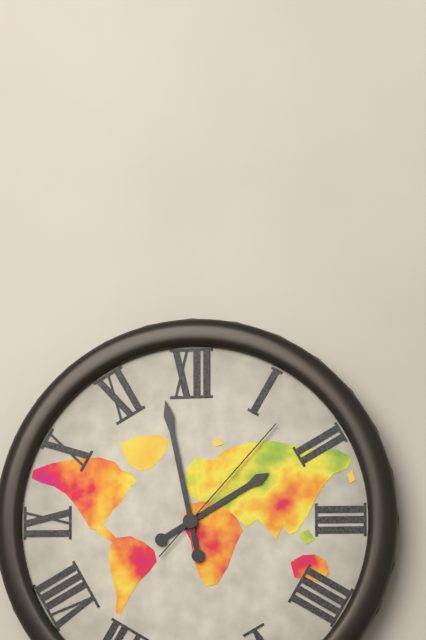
1:58:07
